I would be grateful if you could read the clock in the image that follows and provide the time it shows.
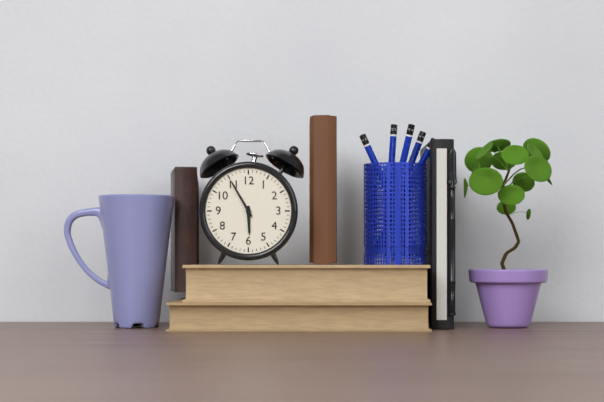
5:55
